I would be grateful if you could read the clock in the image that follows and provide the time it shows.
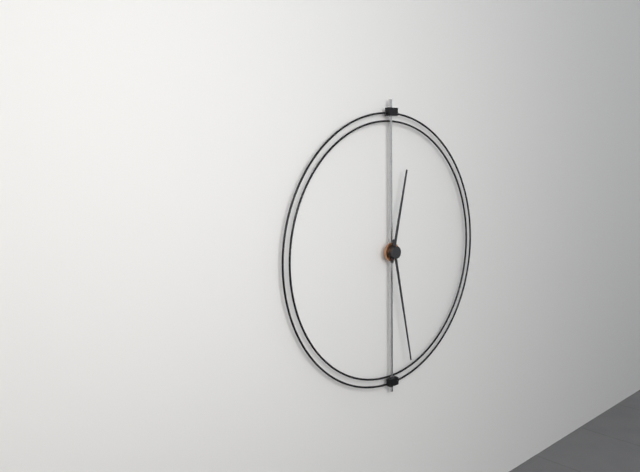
12:28
